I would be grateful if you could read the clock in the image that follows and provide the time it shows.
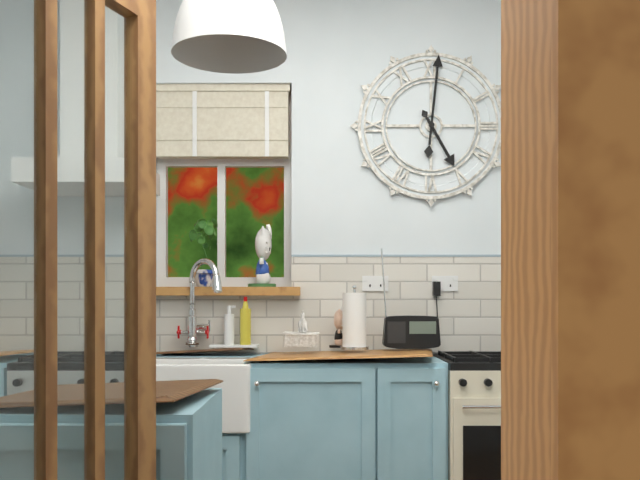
5:01
